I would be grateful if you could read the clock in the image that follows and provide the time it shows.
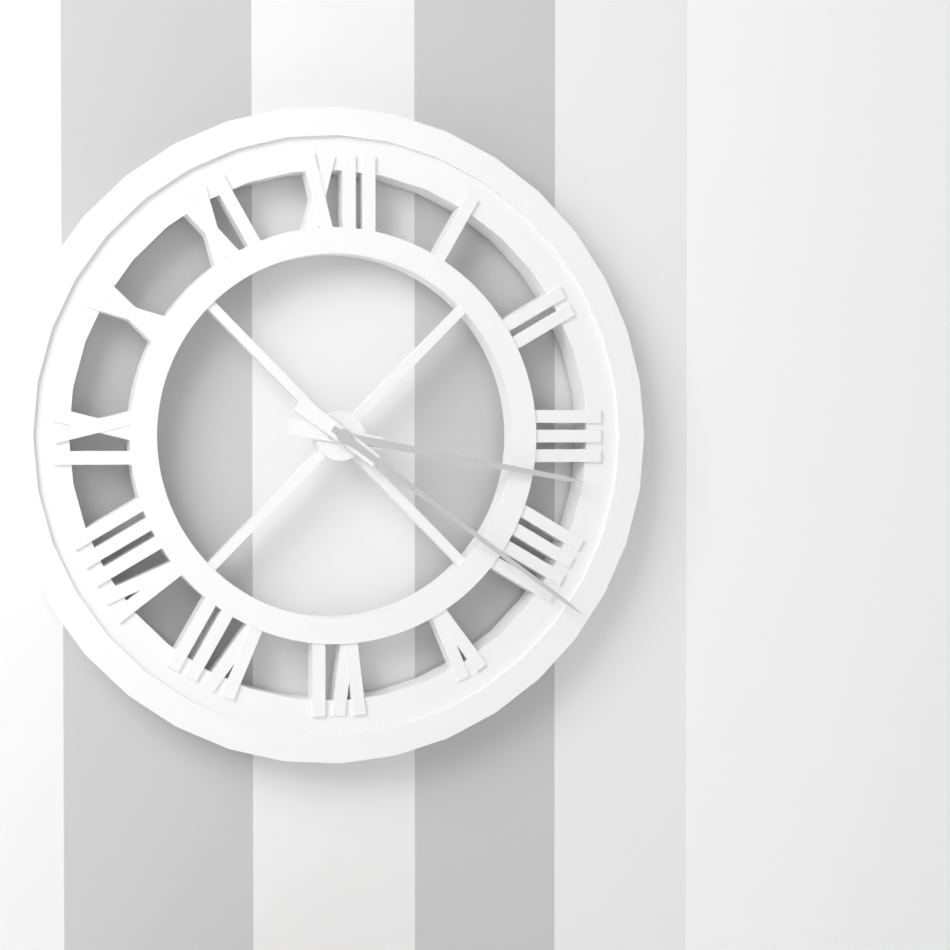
3:21
